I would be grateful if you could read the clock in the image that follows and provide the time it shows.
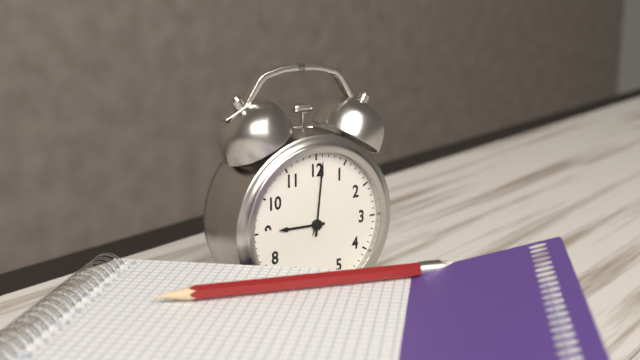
9:01
